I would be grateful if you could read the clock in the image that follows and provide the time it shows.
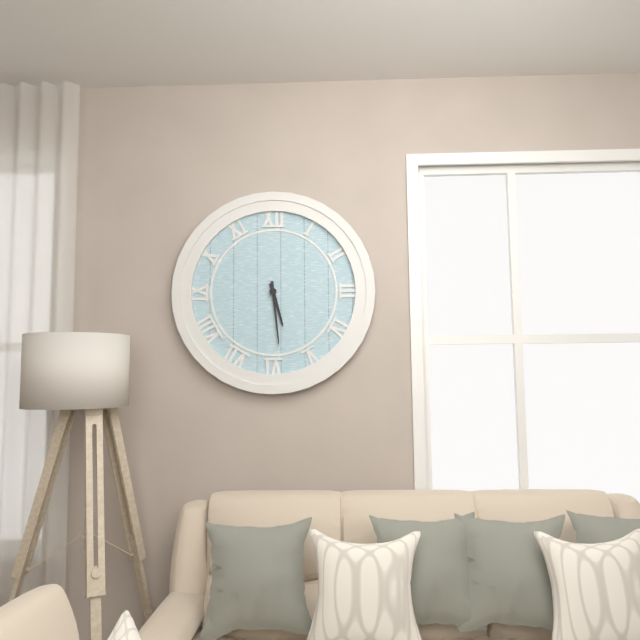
5:29
